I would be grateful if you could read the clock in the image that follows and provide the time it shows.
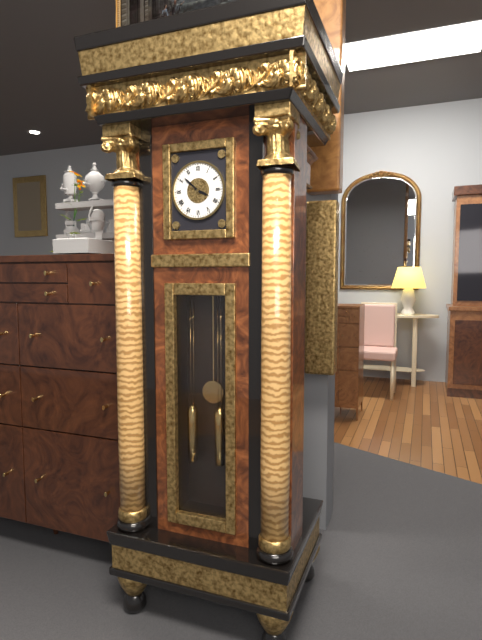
3:52
